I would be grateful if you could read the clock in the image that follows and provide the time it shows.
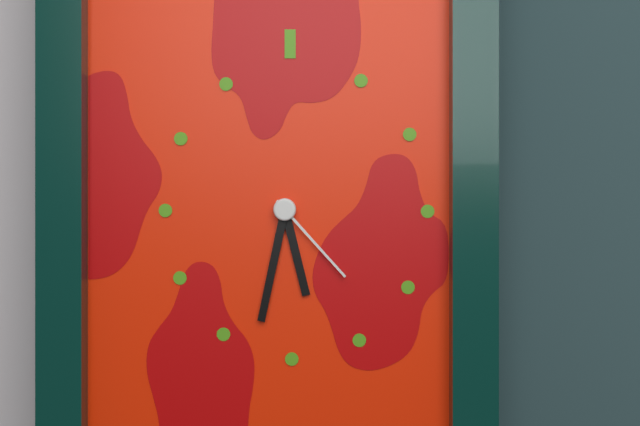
5:32:23
